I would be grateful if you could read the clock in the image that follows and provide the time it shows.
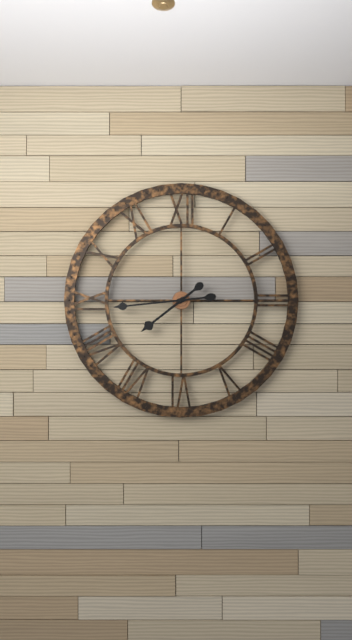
7:44
